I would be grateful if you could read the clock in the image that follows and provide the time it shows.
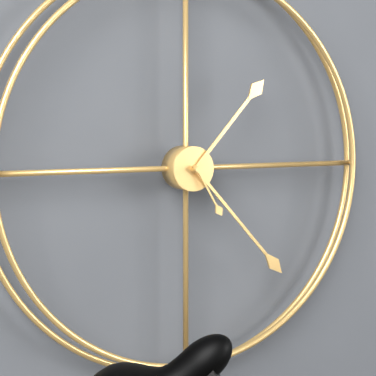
1:23:25
